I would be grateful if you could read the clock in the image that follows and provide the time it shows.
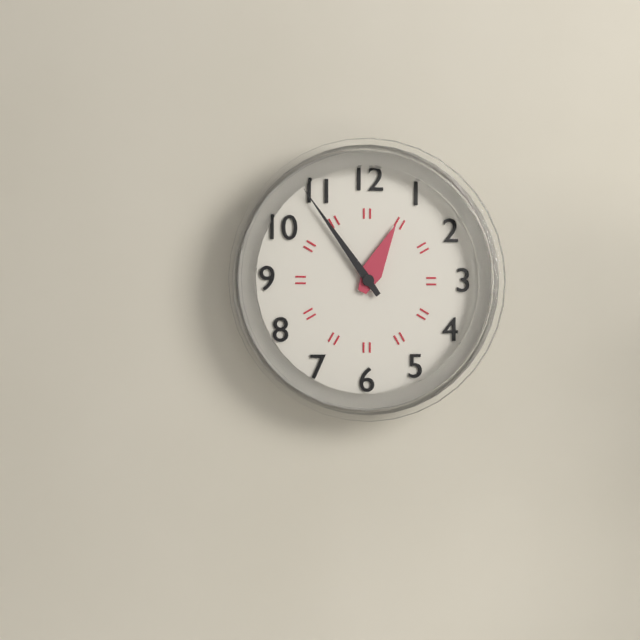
12:54
